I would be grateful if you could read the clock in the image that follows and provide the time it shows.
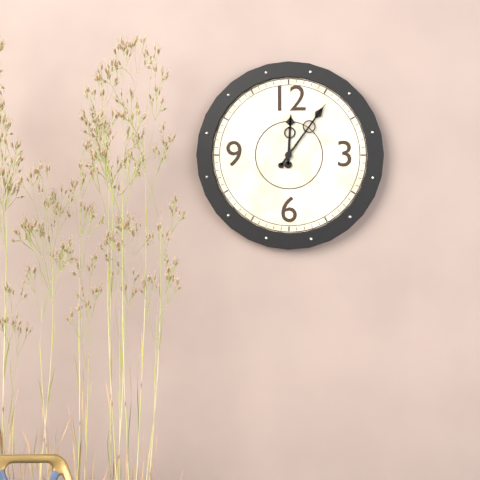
12:06
